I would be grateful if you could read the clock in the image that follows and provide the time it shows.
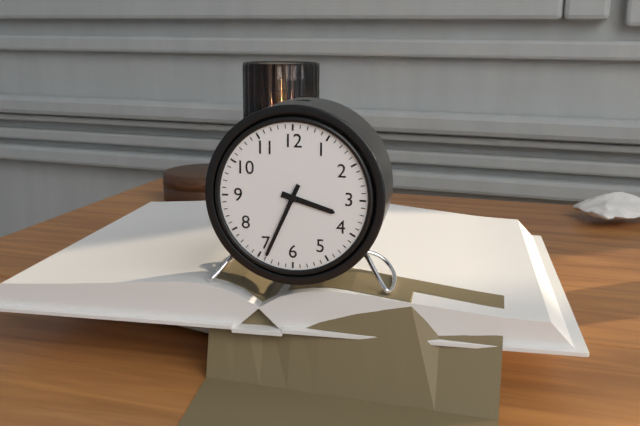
3:34
